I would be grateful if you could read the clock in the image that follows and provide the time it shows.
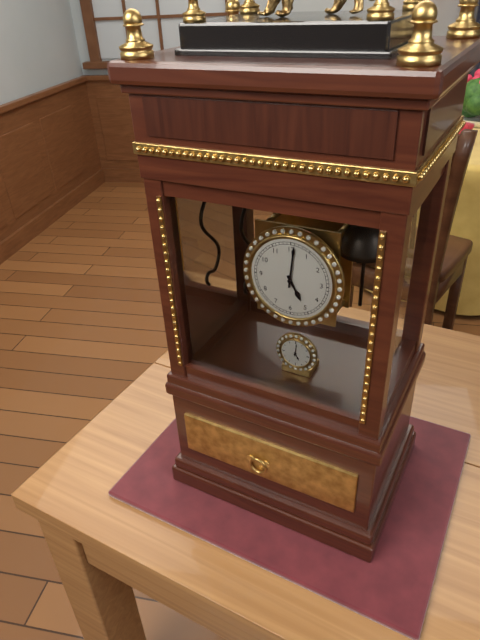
5:01
